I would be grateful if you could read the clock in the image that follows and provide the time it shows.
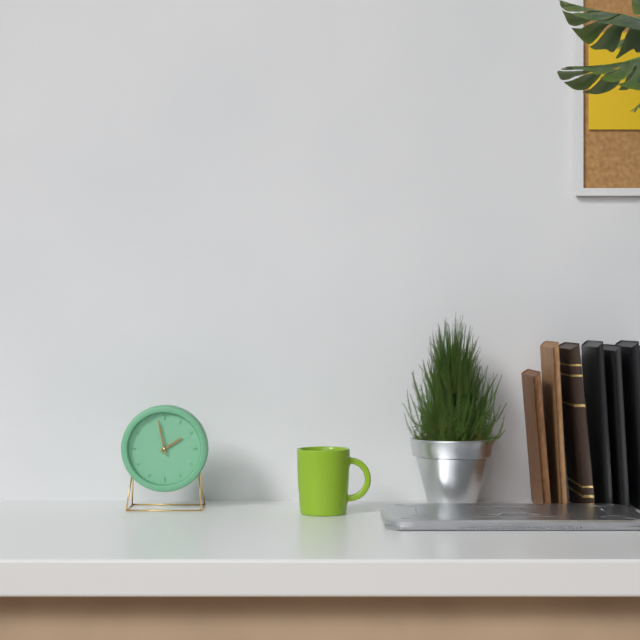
1:58
